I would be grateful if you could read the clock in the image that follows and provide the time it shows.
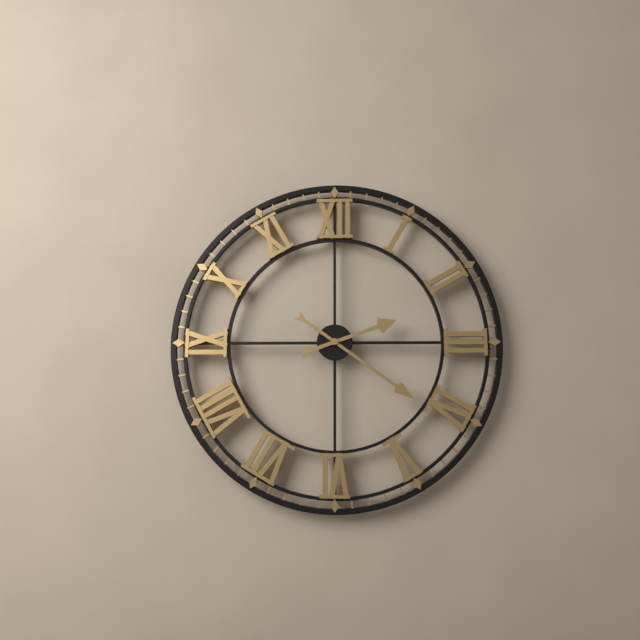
2:21
